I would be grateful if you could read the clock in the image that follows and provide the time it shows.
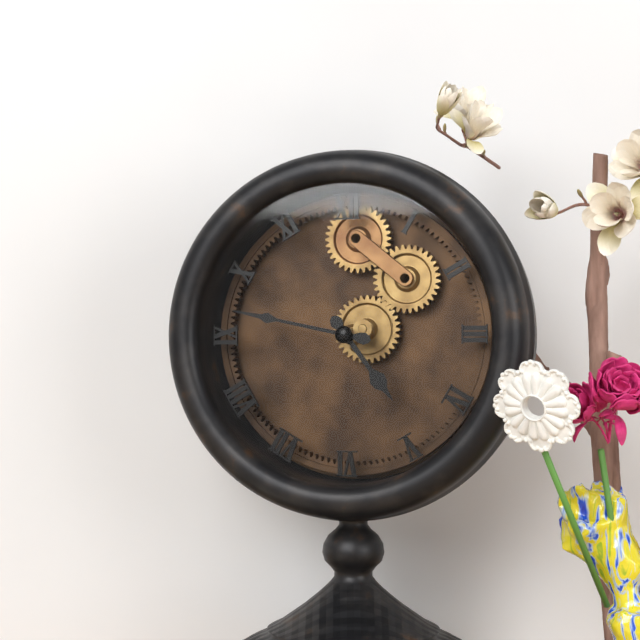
4:47
